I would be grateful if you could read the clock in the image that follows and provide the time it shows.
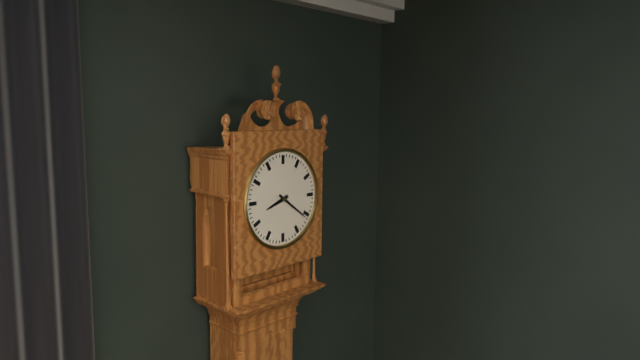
8:21
